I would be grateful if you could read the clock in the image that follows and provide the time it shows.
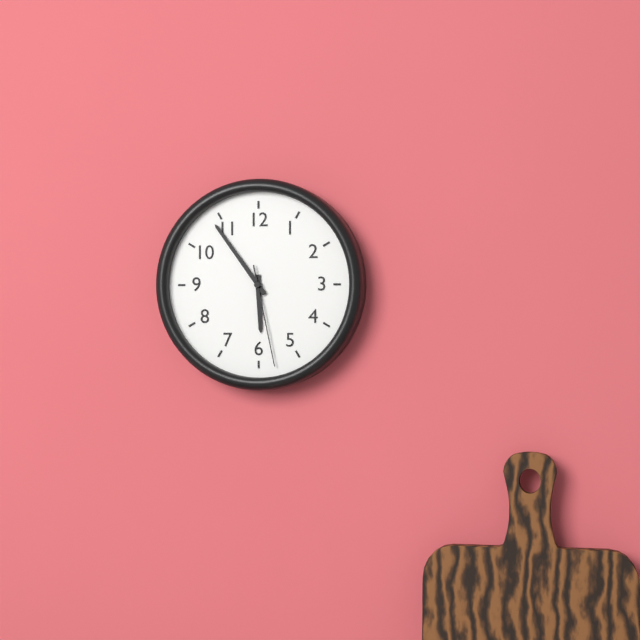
5:54:28
